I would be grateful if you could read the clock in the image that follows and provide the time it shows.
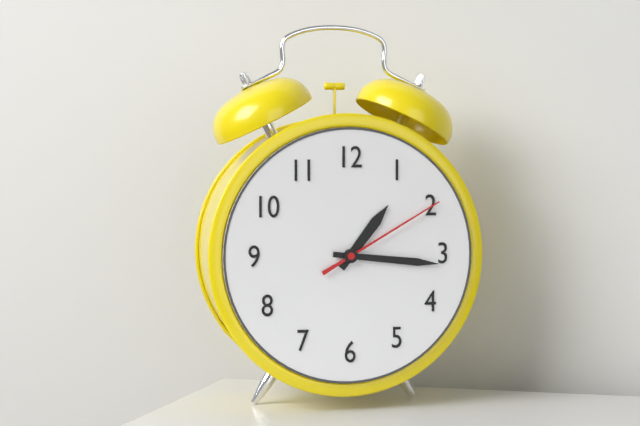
1:16:10
